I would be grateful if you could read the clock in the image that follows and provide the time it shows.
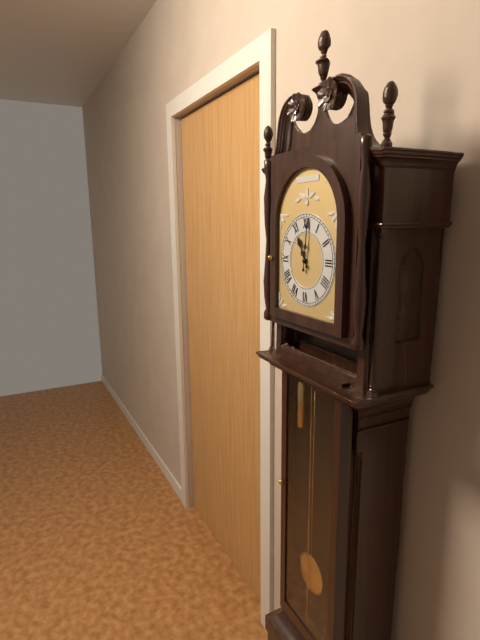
11:01
